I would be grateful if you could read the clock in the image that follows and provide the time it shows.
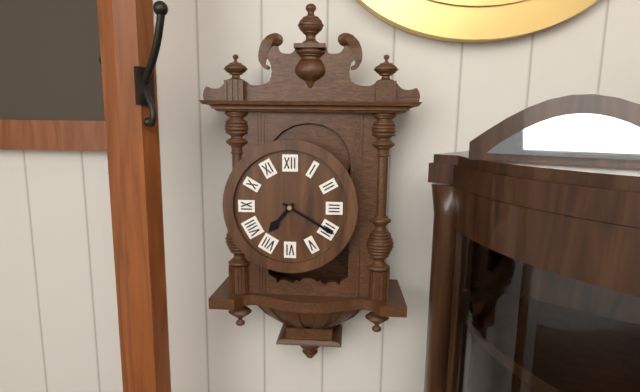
7:20
